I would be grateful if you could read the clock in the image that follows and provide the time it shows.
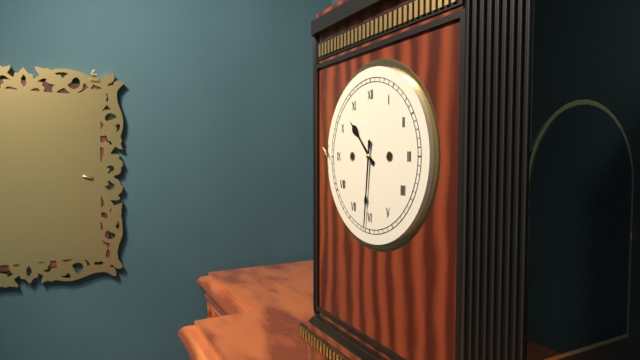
10:31
